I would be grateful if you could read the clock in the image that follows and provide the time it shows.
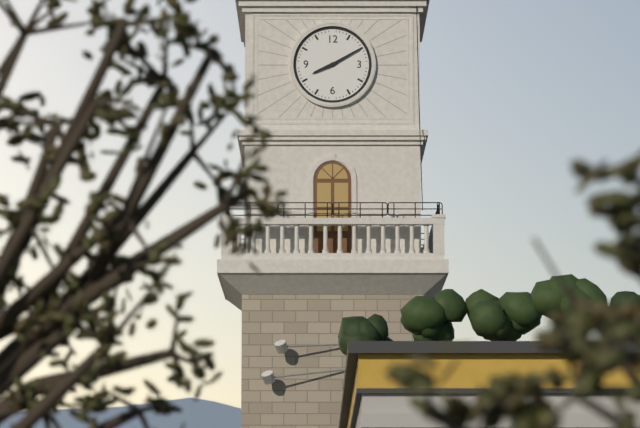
8:10
